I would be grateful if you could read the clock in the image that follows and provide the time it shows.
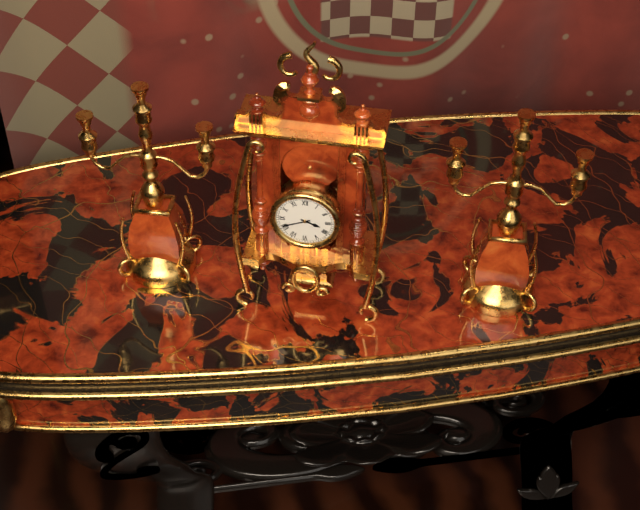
3:41
